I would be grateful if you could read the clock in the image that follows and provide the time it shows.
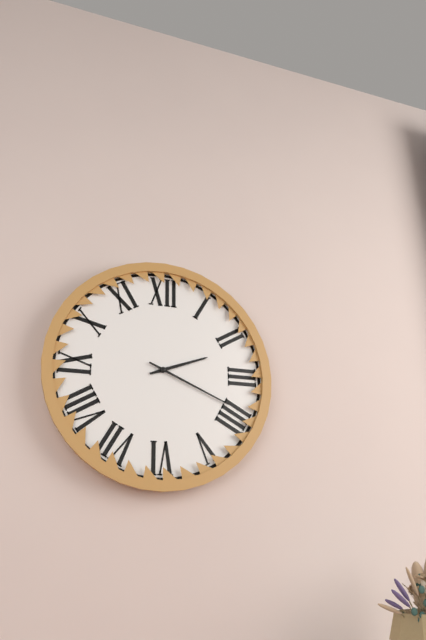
2:19
